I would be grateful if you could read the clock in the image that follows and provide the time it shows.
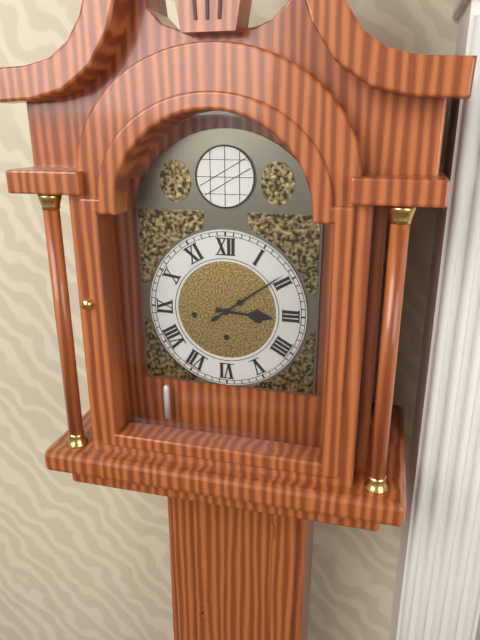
3:09
